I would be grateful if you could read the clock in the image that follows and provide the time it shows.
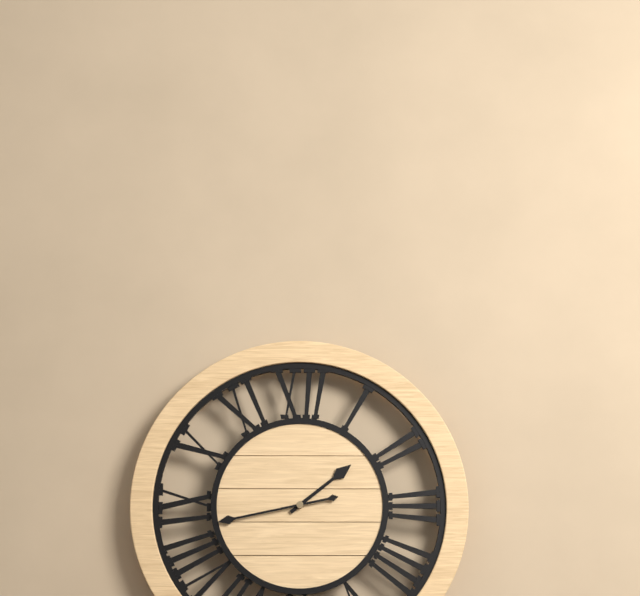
1:43
